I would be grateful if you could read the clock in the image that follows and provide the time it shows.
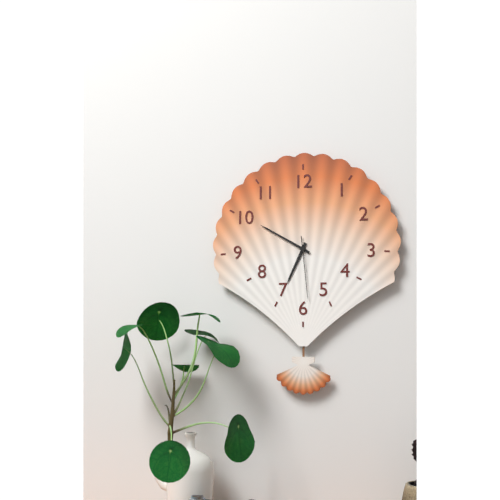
6:50:29
